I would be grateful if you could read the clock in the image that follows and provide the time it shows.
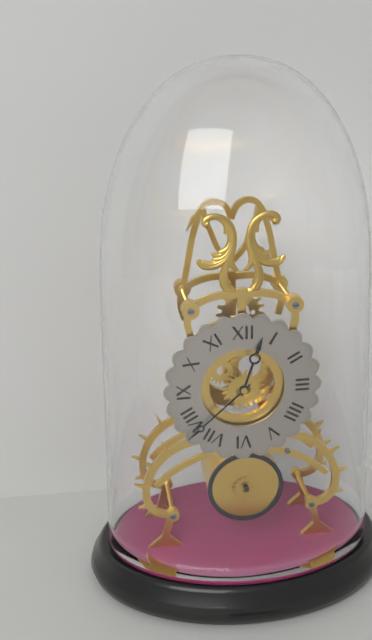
12:38
